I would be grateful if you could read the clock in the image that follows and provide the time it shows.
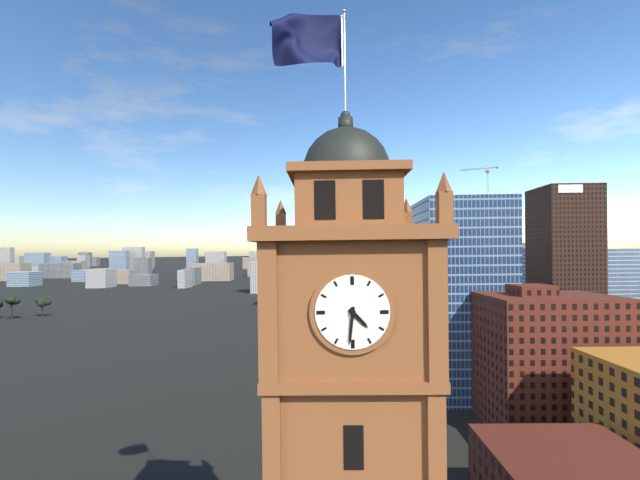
4:31
